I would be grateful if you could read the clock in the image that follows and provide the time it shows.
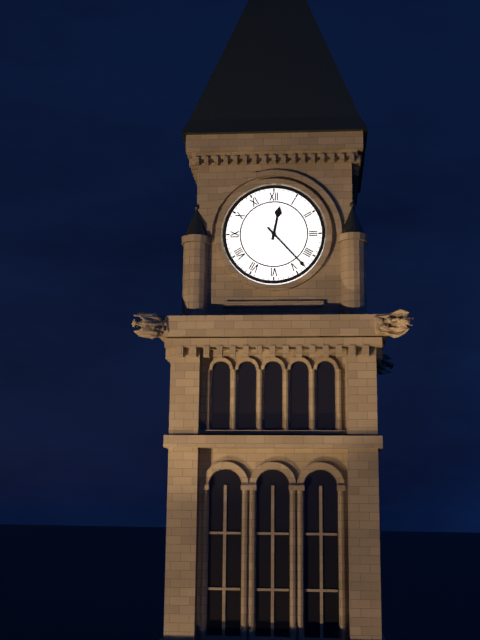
12:23
